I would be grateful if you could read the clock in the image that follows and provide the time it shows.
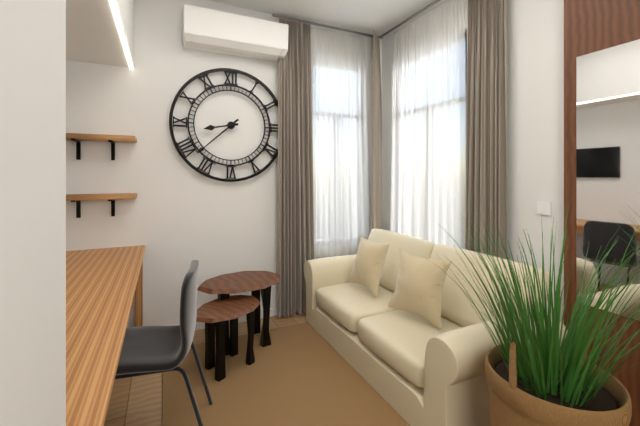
8:38
